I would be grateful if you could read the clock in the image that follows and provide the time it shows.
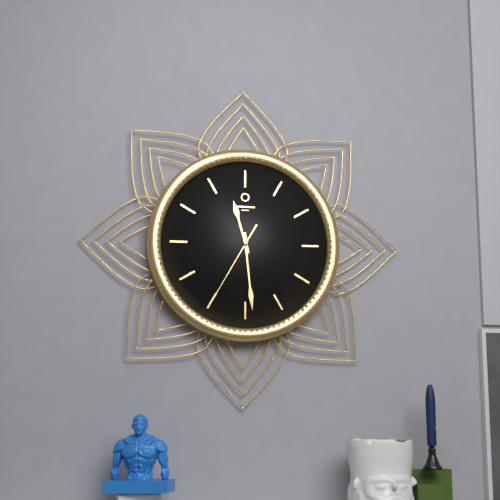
11:29:35
